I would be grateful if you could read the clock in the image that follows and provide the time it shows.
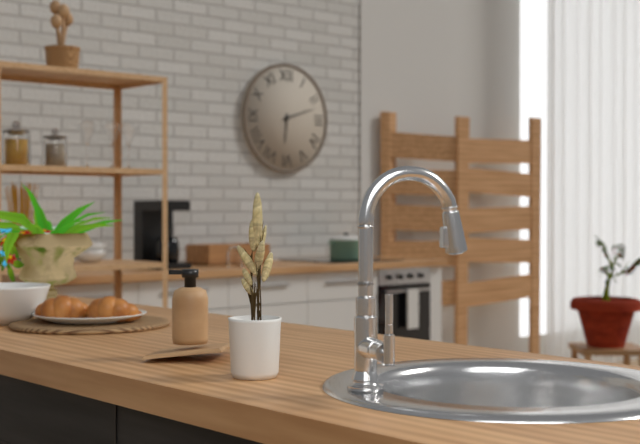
6:12
